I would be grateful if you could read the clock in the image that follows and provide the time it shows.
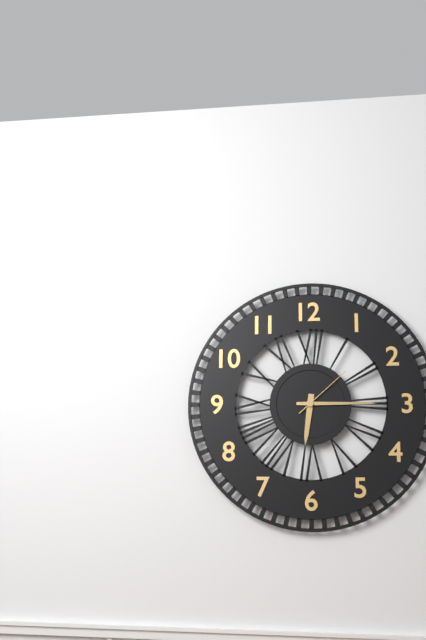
6:15:08
